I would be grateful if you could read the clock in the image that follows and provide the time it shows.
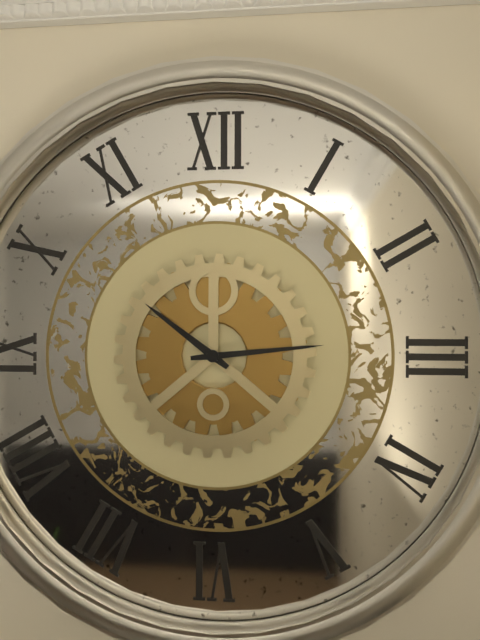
10:14
